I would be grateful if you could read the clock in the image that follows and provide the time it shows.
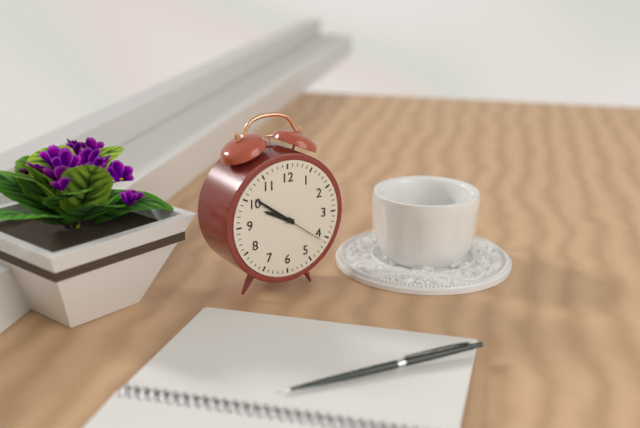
9:51:21
